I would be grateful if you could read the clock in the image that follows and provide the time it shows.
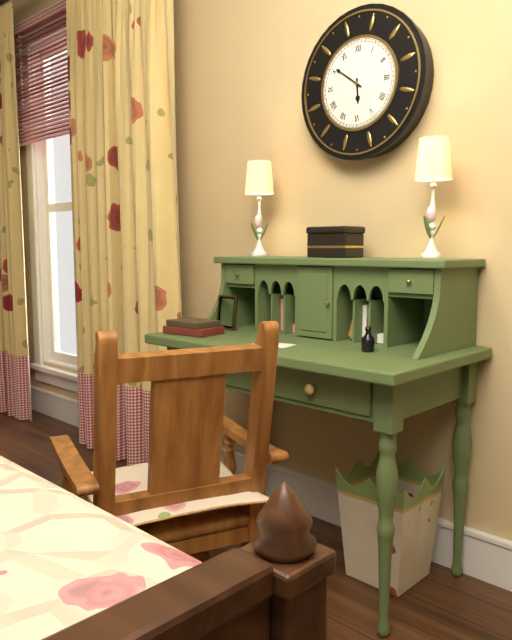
5:51
